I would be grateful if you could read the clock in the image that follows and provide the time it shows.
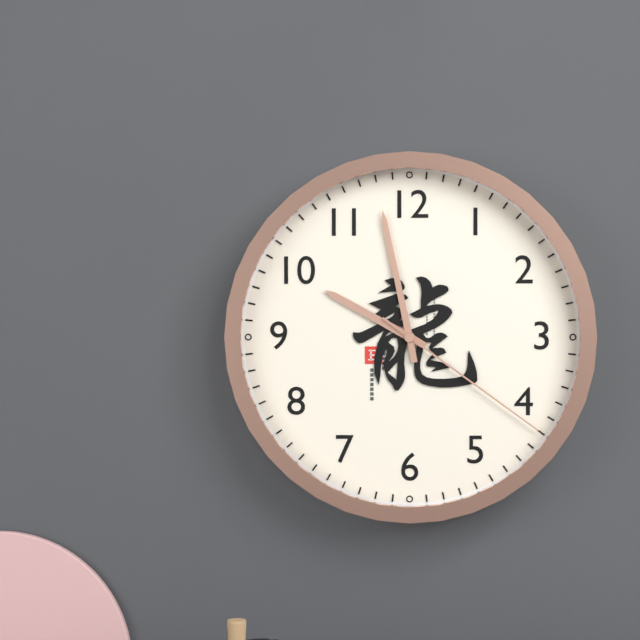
9:58:21
